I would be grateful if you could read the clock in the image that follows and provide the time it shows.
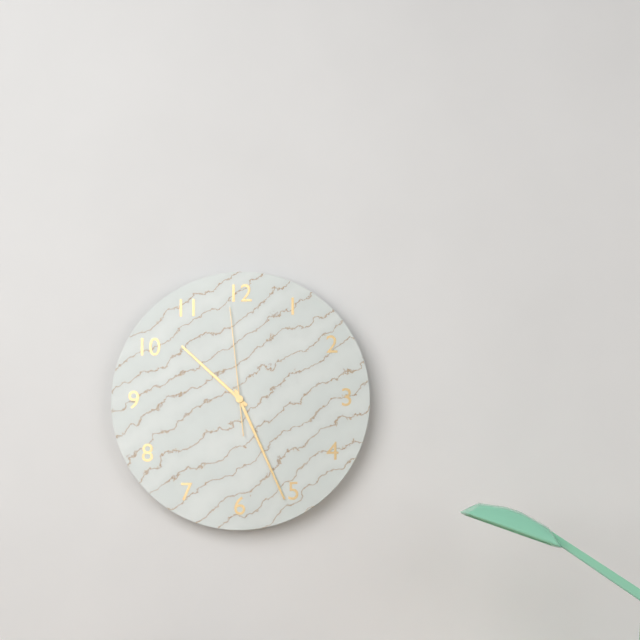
10:26:59
